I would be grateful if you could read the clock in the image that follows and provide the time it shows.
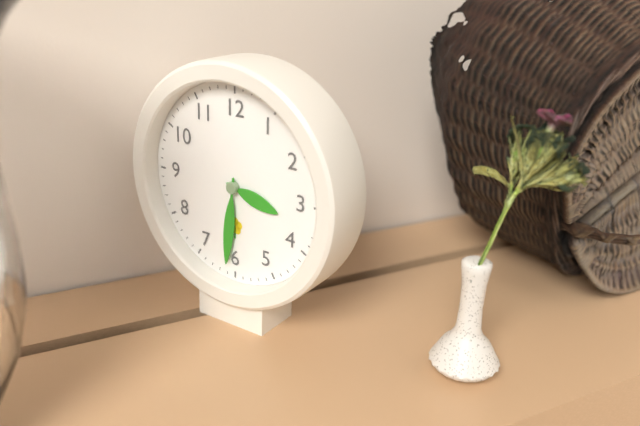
3:31
